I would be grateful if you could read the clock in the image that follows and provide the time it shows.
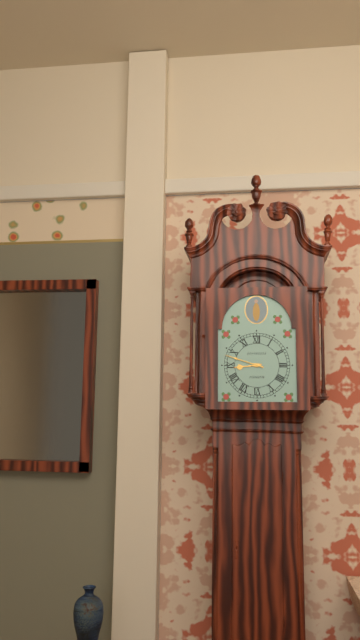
8:48
